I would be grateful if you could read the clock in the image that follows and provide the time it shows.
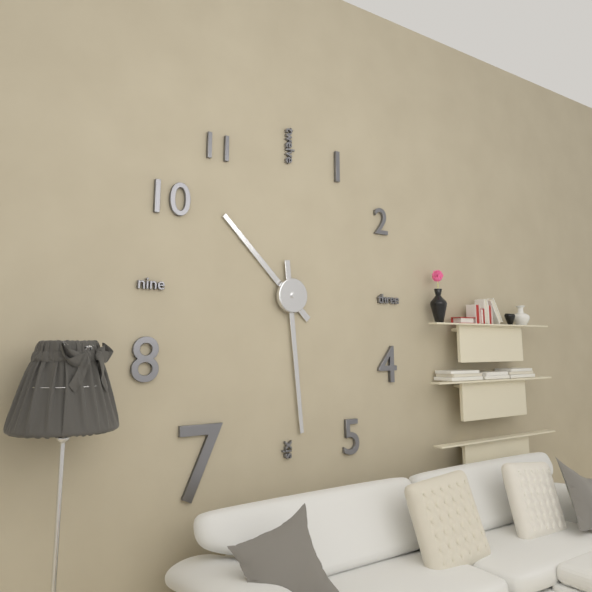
10:29
